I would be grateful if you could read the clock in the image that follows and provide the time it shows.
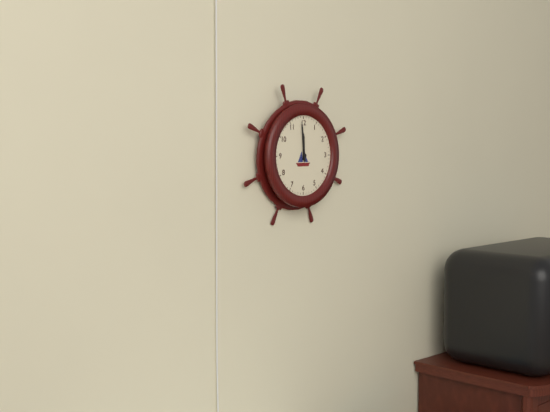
11:59
